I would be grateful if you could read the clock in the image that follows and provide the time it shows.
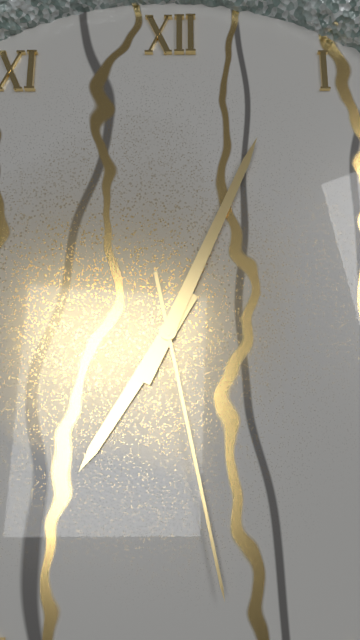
7:04:28
